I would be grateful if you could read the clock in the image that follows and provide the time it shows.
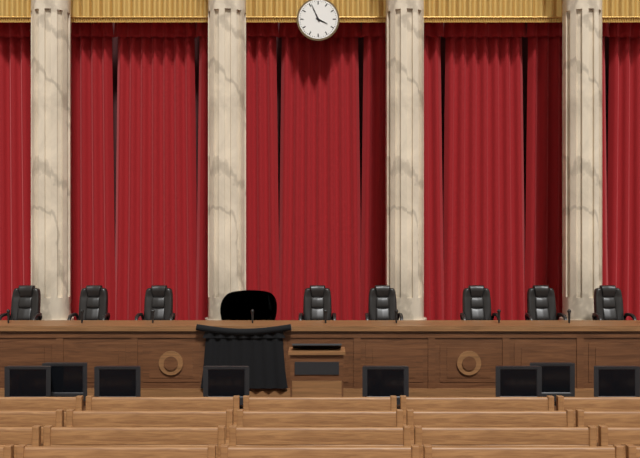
3:56
